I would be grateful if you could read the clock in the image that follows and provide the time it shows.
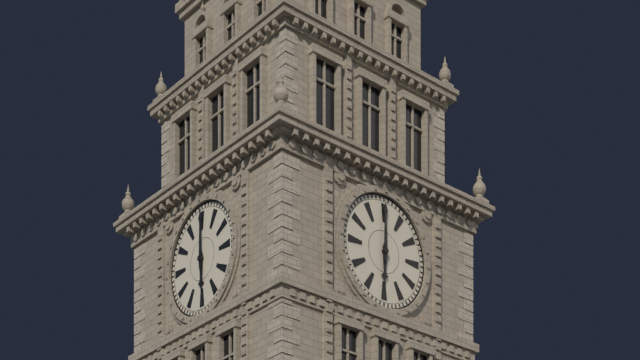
6:00
